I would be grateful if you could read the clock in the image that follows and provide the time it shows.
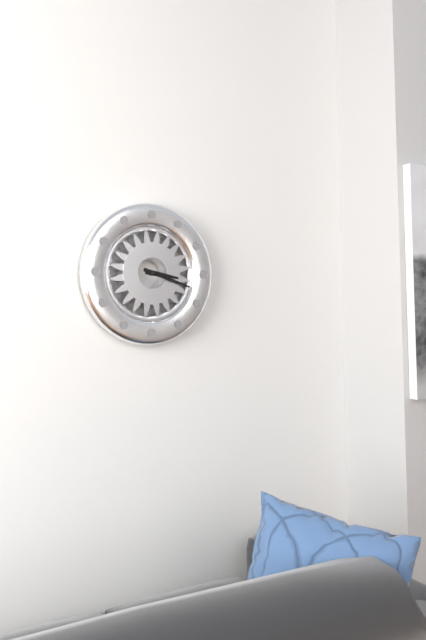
3:18
